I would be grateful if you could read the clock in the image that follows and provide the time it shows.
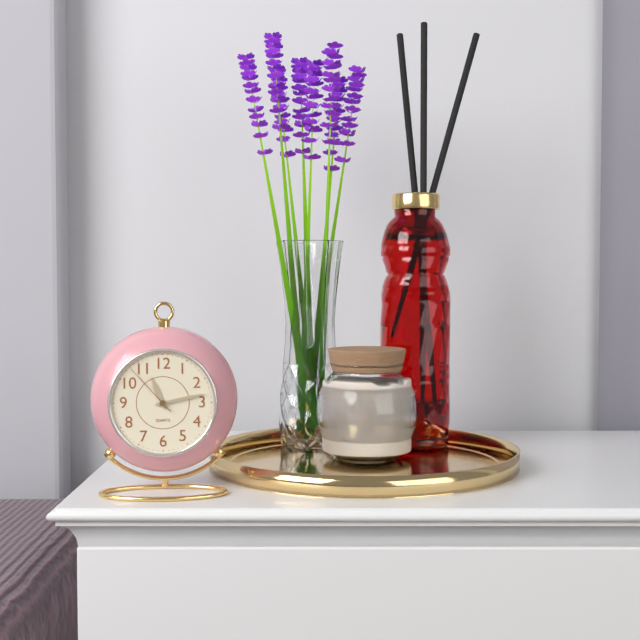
11:13:53
